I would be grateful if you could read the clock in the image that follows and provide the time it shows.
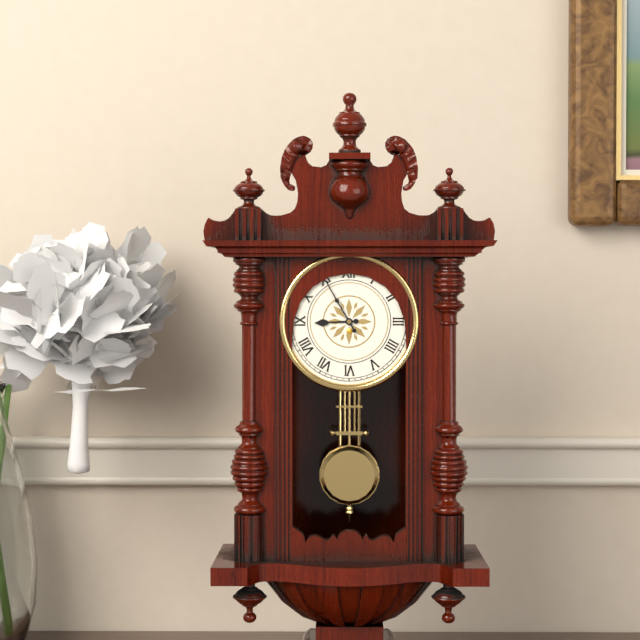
8:55
